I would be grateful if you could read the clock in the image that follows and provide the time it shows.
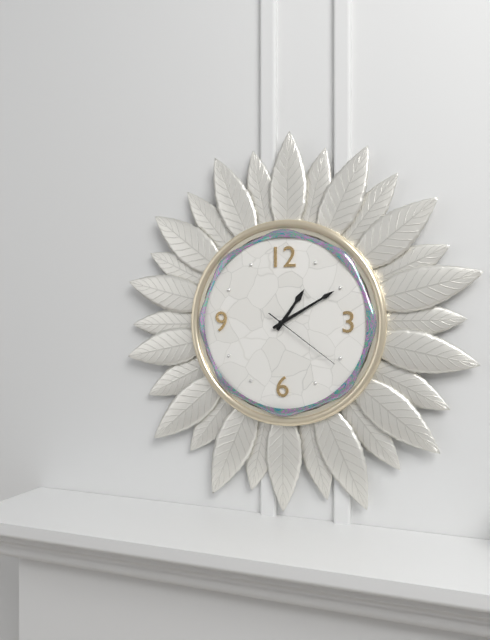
1:10:21
